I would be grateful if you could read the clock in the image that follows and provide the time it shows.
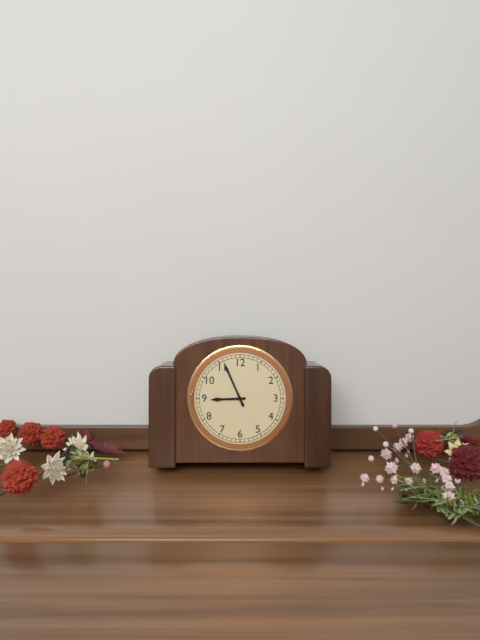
8:56
